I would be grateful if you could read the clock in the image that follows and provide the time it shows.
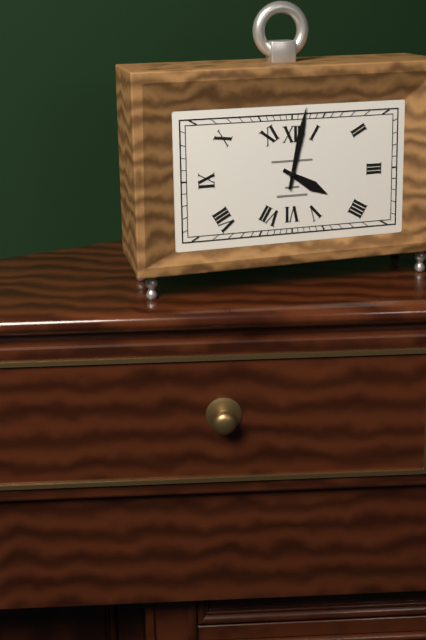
4:02
